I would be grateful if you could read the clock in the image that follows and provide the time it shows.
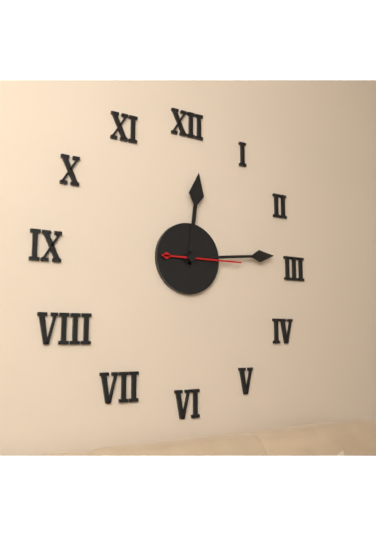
12:14:15
